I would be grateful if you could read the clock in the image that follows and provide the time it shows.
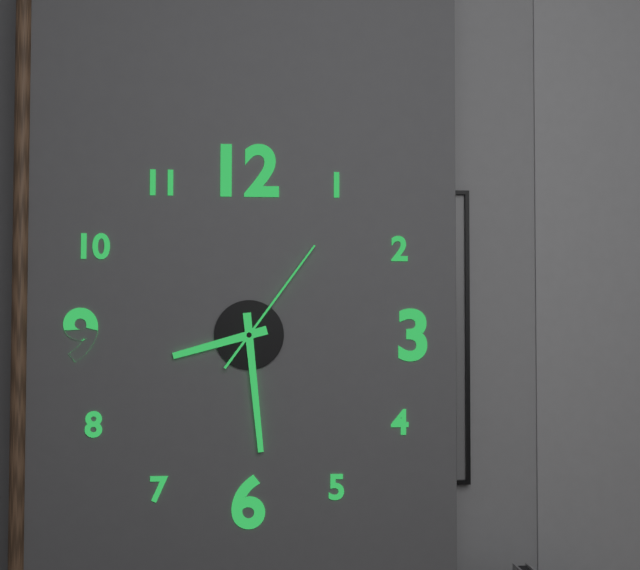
8:29:06
